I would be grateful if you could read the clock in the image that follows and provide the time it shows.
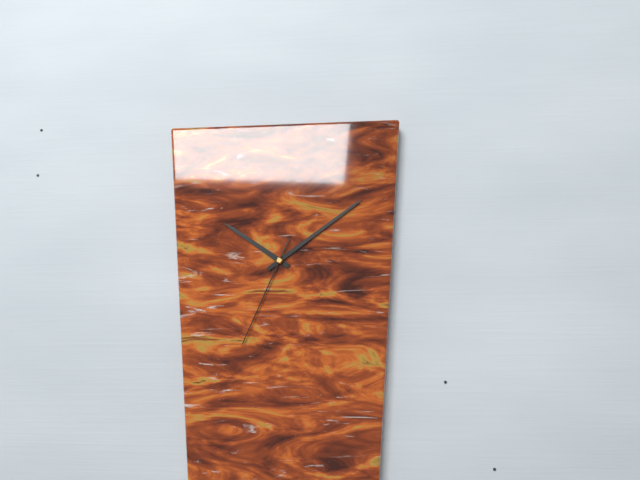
10:09:34
